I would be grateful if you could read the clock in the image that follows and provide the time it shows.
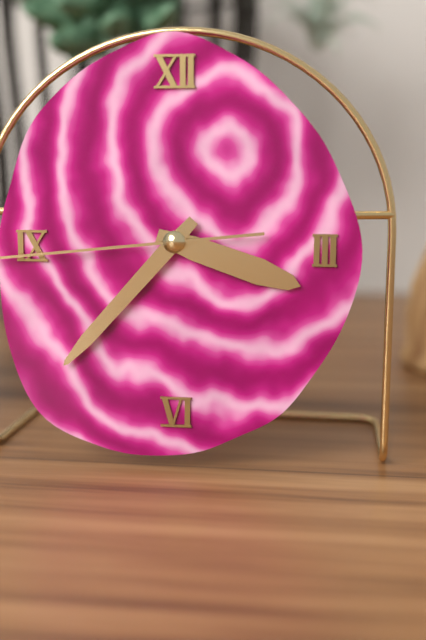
3:37
